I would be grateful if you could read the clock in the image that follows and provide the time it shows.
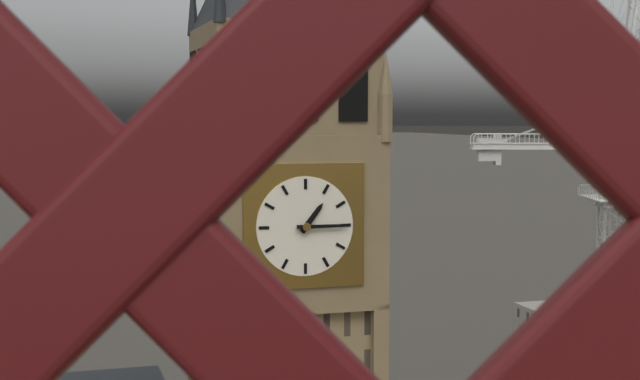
1:15
